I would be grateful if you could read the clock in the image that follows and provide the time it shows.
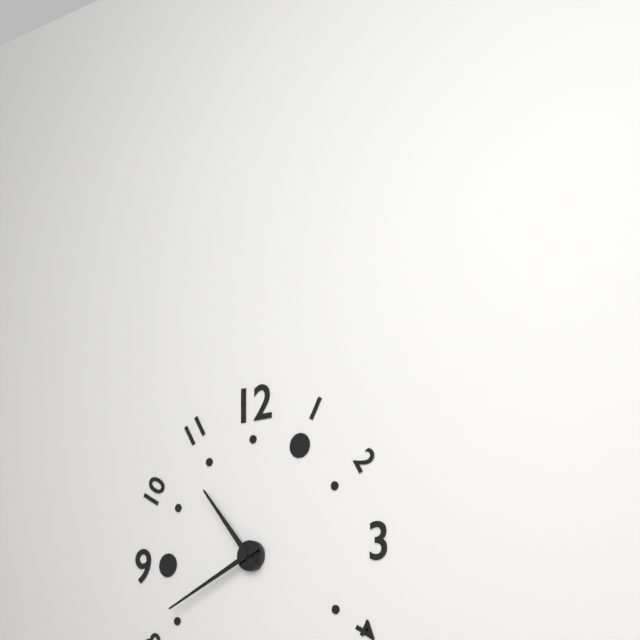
10:41
